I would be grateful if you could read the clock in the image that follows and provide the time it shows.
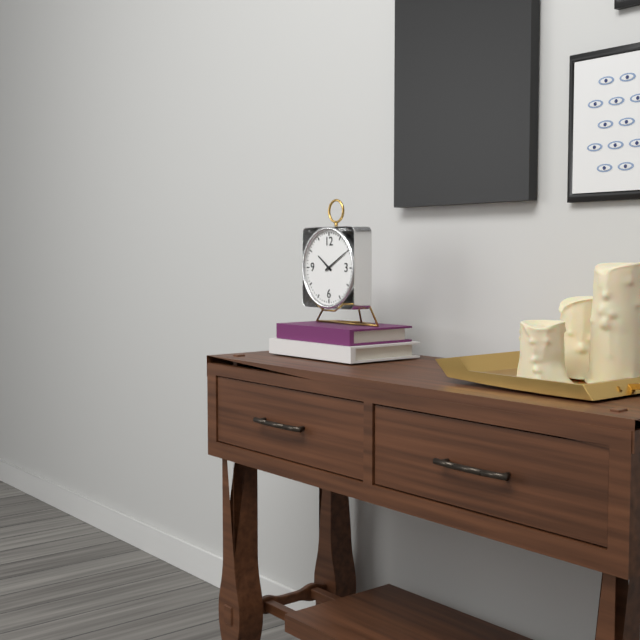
10:10
